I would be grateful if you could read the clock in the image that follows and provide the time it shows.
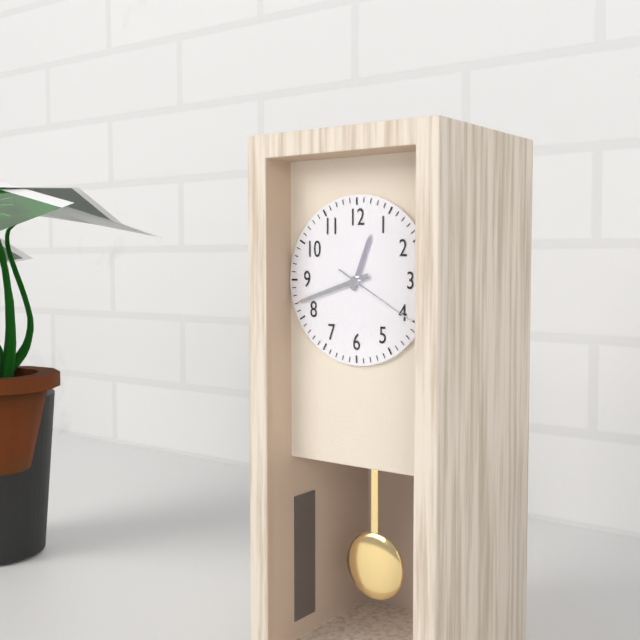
12:42:20
